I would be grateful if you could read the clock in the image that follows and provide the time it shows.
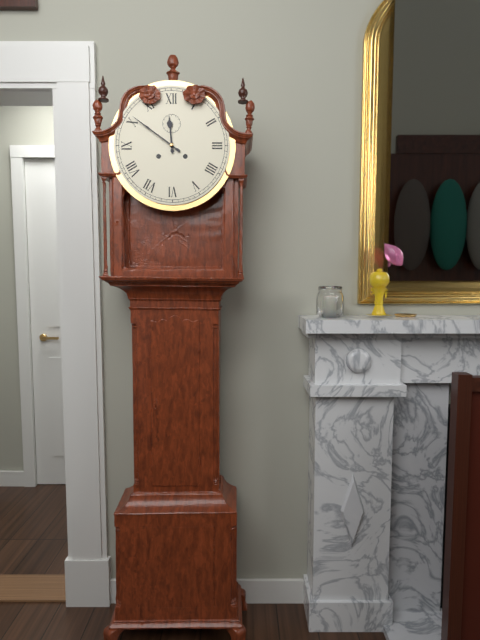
11:51
